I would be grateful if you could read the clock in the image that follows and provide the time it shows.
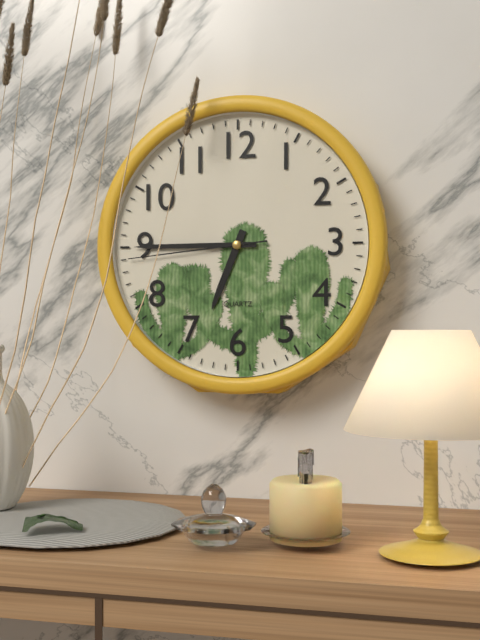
6:45:44
